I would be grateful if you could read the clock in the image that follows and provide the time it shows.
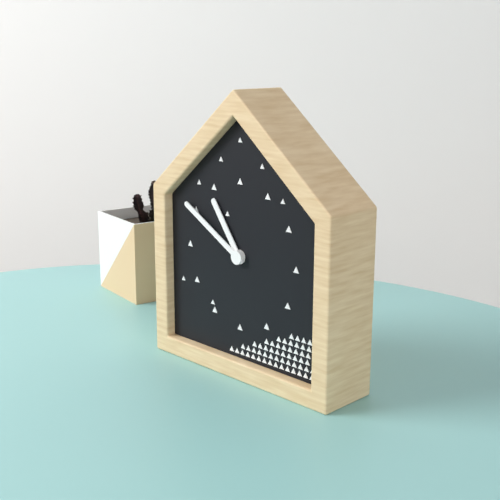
10:50
